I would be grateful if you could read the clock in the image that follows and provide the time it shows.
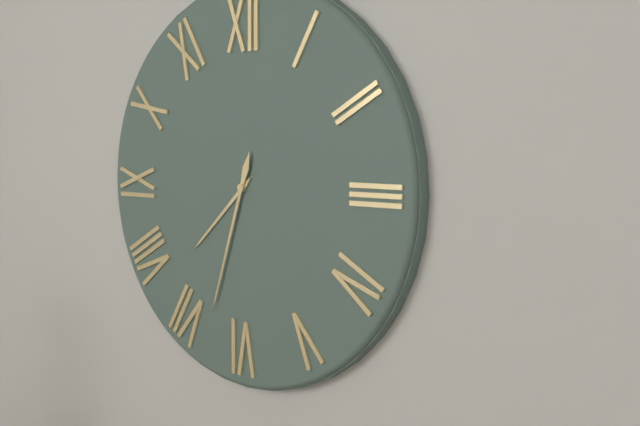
7:33
